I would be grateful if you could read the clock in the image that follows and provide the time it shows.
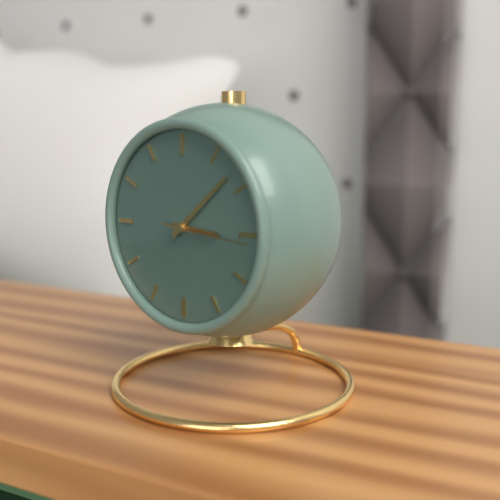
3:08
